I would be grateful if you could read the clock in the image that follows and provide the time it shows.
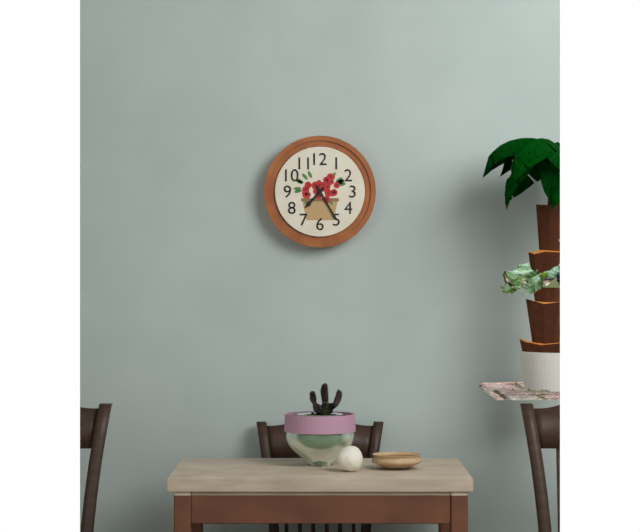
7:25
